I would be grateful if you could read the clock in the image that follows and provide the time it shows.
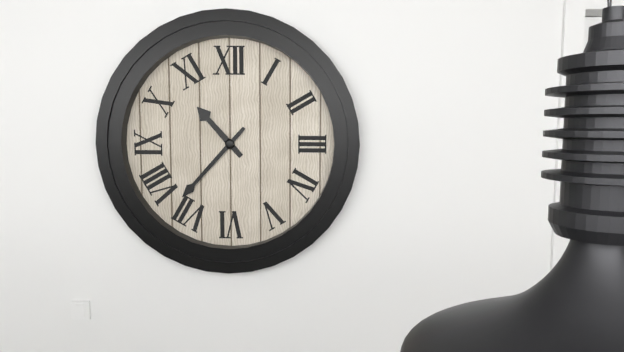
10:37
